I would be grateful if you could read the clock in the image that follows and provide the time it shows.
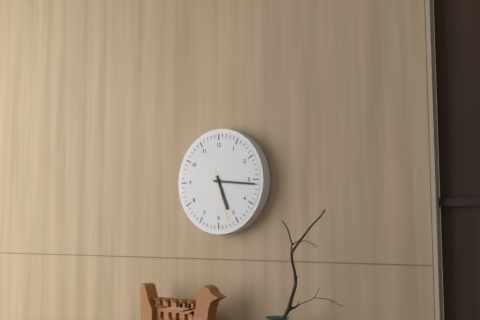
5:16:27
